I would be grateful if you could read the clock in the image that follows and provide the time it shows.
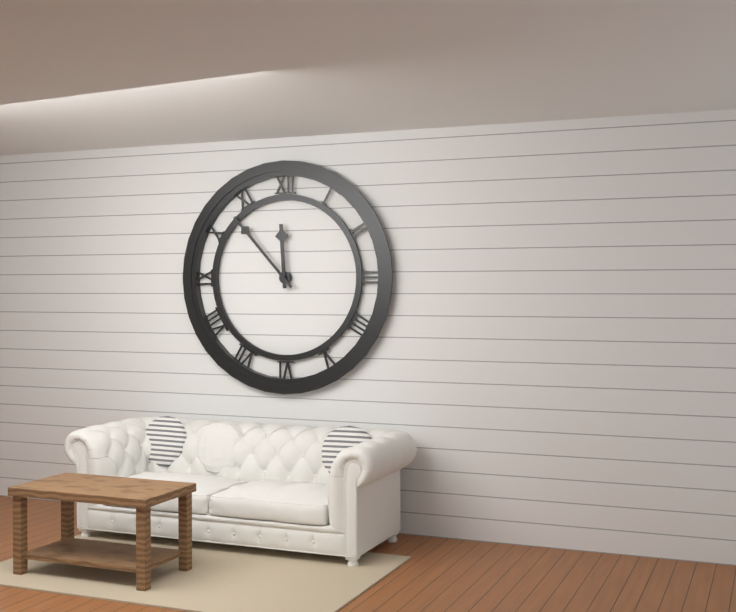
11:53
